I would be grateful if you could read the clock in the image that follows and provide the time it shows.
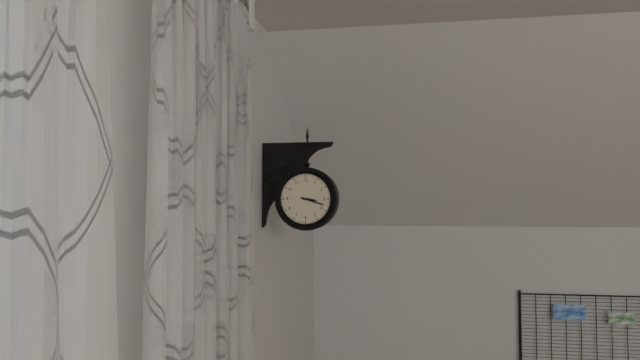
3:18
